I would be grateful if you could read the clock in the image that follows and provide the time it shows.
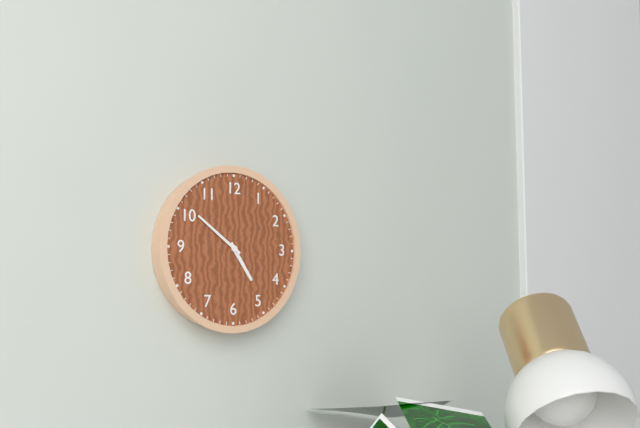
4:51
